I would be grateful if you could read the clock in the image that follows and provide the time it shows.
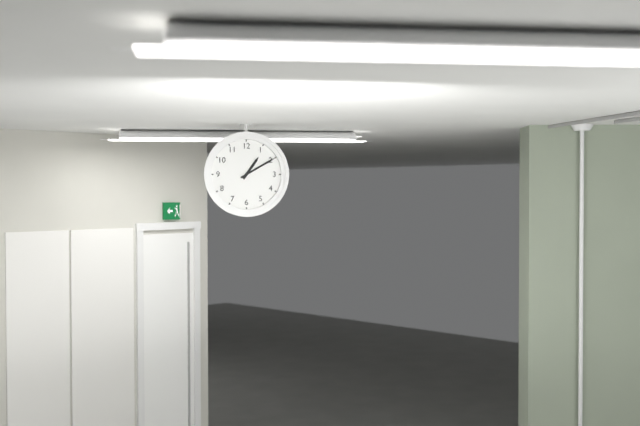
1:10
